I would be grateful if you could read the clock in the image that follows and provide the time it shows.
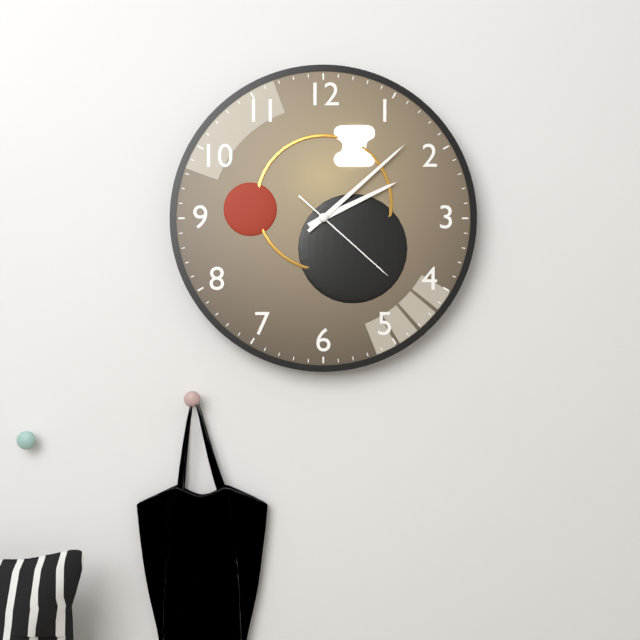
2:08:22
